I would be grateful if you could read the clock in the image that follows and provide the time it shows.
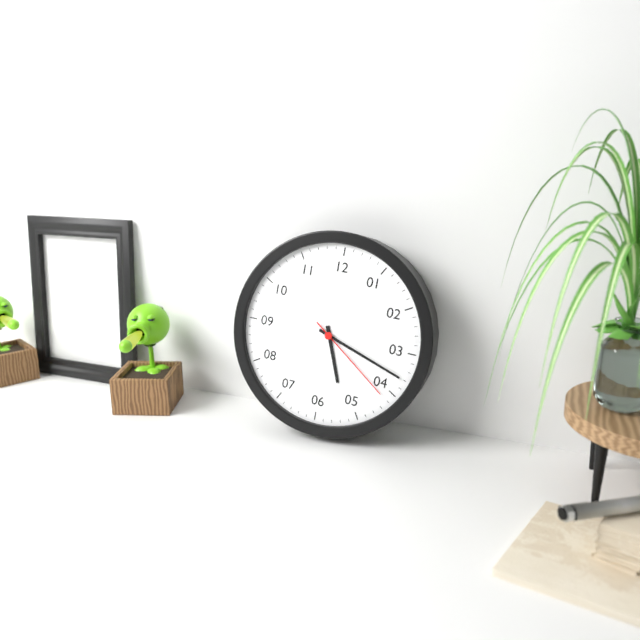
5:18:21
